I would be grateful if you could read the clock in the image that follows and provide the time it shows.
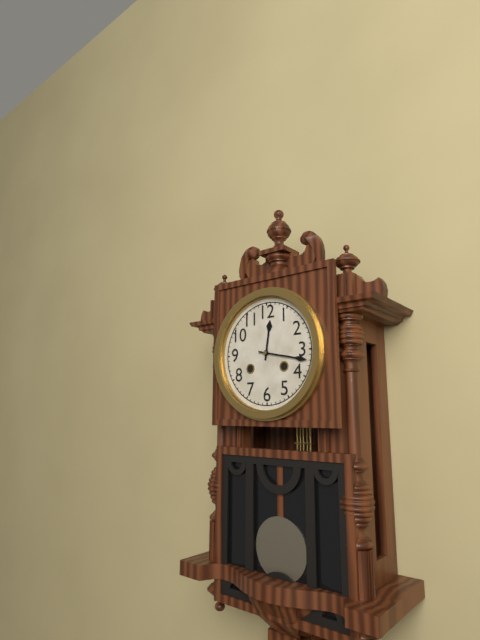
12:17
